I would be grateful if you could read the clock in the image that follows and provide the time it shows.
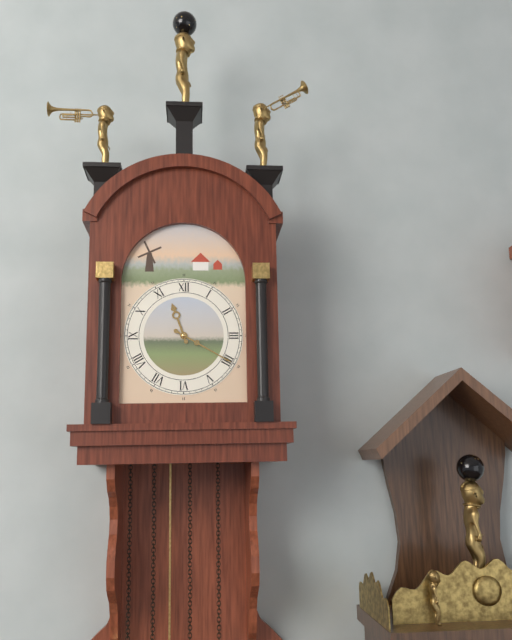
11:20
